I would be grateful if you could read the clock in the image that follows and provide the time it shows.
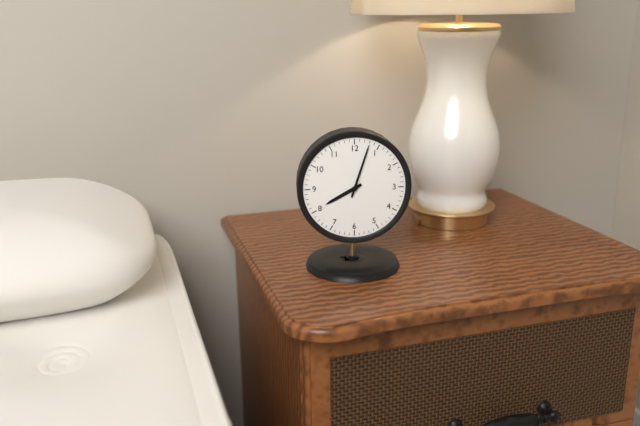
8:03
